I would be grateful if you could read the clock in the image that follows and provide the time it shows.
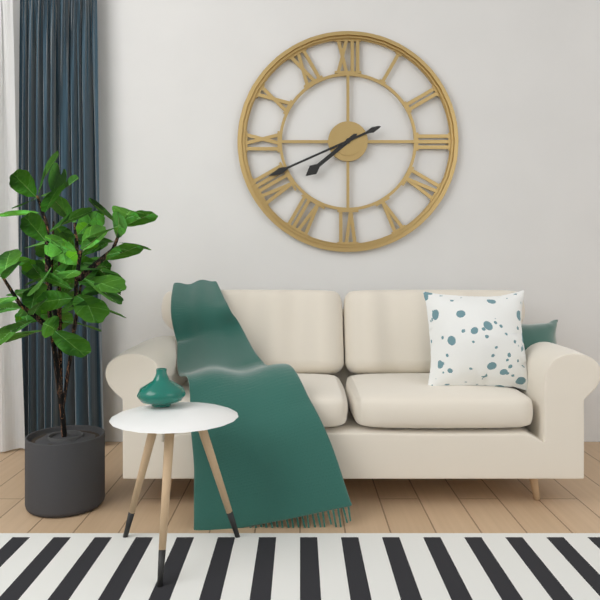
7:41
